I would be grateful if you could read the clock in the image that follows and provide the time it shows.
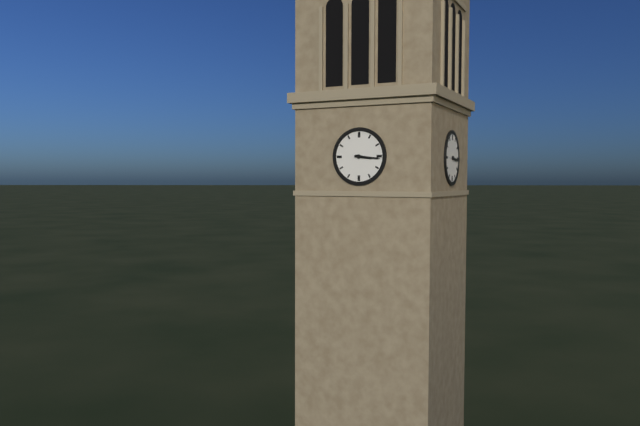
3:16
